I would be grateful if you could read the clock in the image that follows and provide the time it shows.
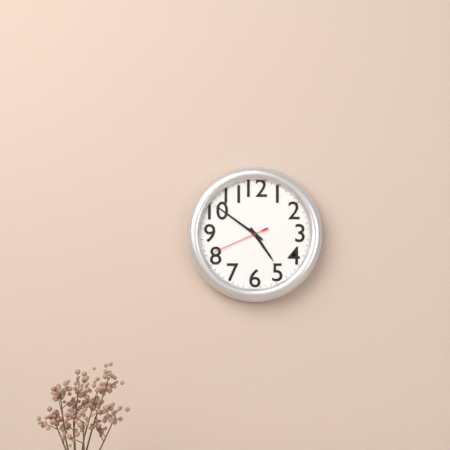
4:51:41
